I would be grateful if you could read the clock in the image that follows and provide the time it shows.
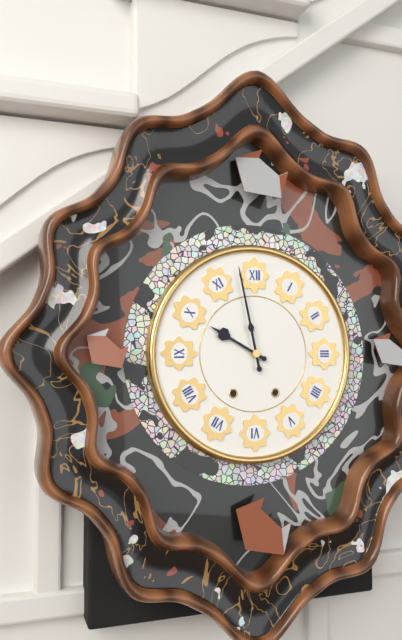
9:58
